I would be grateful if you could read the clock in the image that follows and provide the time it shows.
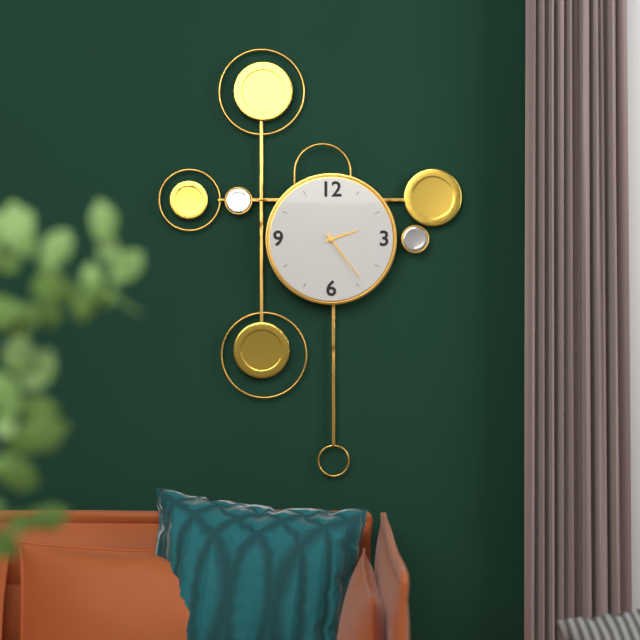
2:24
